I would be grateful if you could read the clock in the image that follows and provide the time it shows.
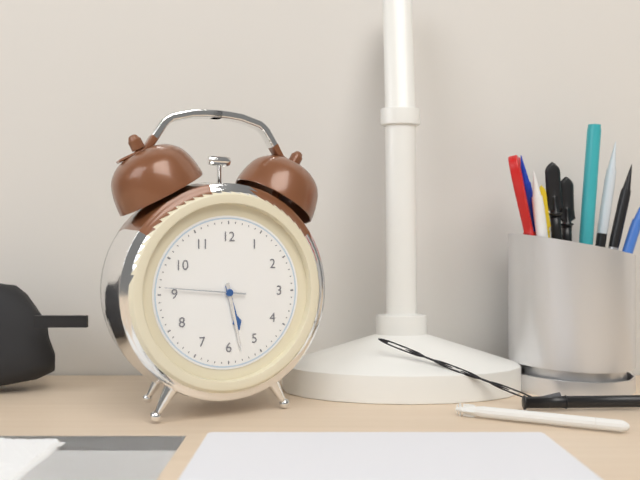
5:28:46
